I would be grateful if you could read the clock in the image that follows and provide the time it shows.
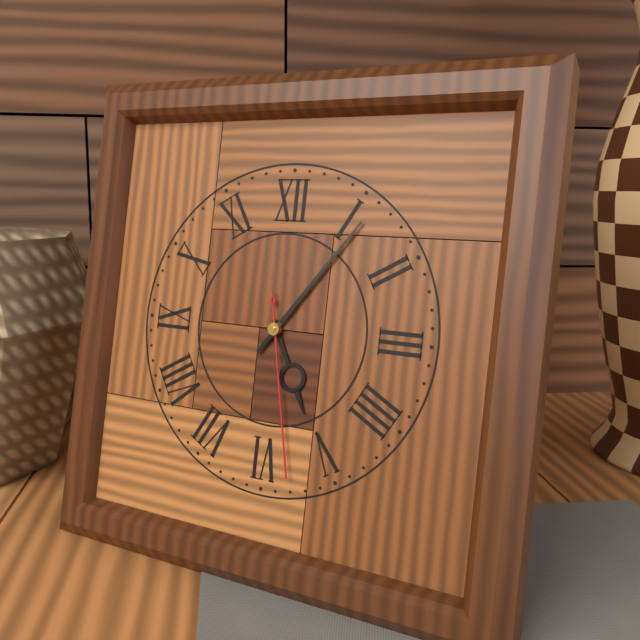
5:06:28
